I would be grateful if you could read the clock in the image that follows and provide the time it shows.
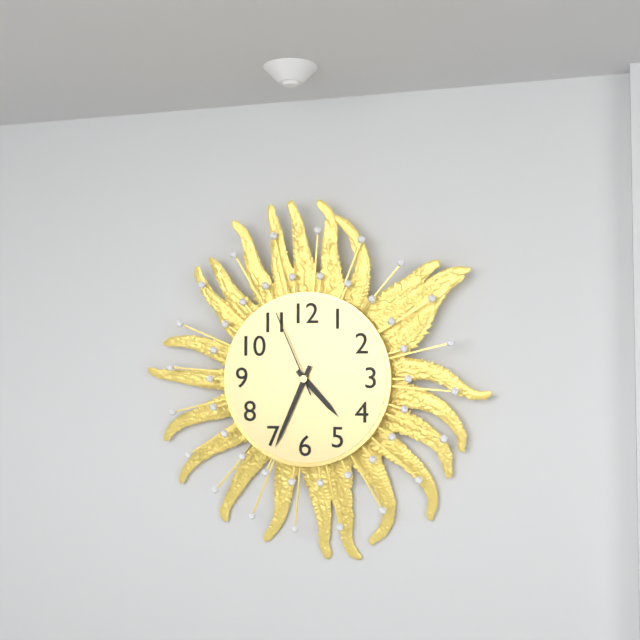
4:34:56
